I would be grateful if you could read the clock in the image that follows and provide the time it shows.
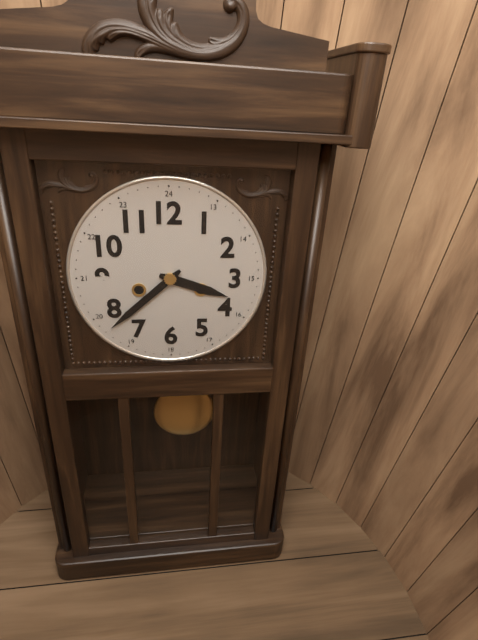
3:38
